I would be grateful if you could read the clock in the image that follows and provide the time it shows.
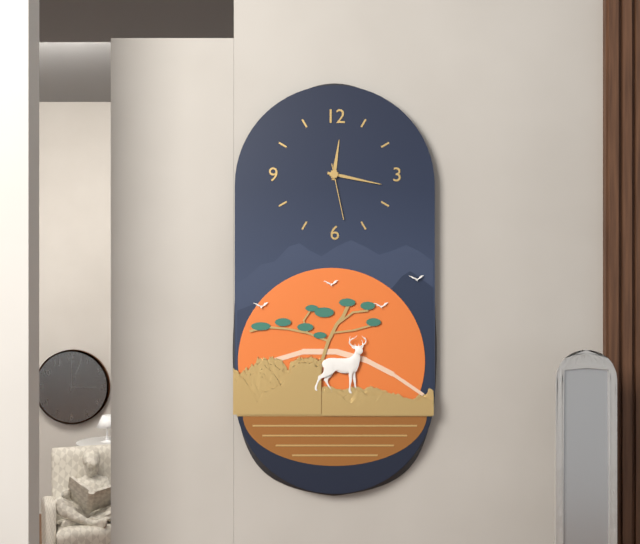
12:17:28
